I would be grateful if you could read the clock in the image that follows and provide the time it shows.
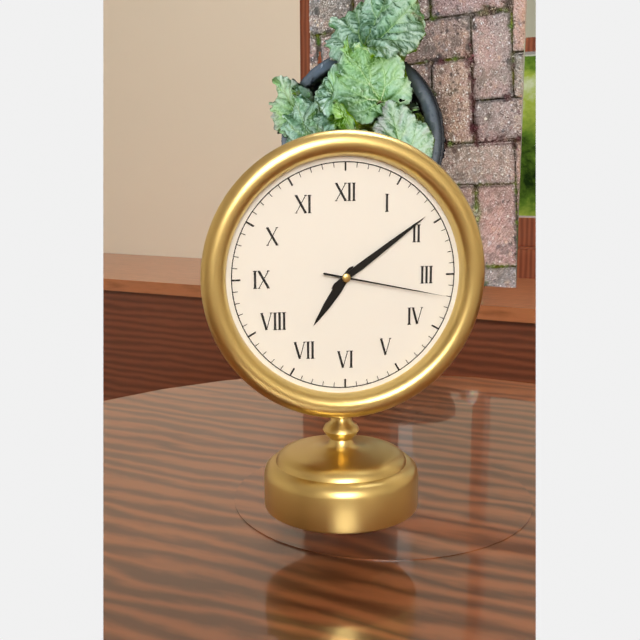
7:09:17
